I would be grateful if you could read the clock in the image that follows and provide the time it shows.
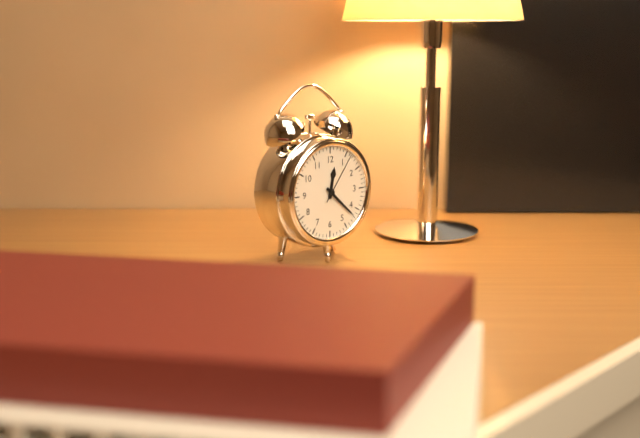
12:22:06
